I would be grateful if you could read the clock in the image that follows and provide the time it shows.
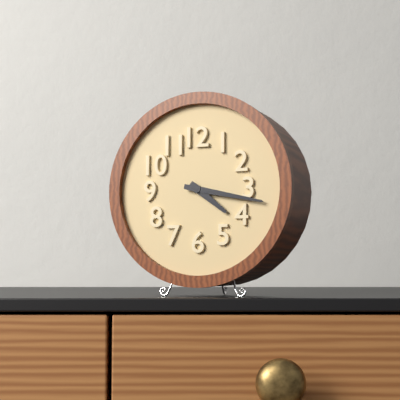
4:17
